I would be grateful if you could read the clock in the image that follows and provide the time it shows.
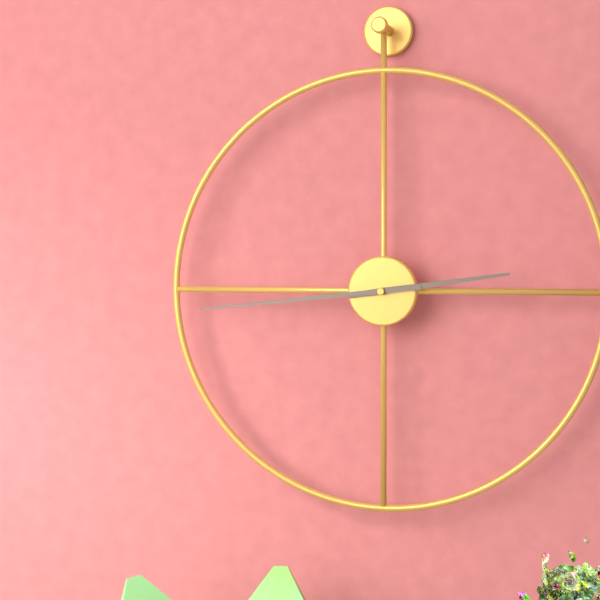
2:44
